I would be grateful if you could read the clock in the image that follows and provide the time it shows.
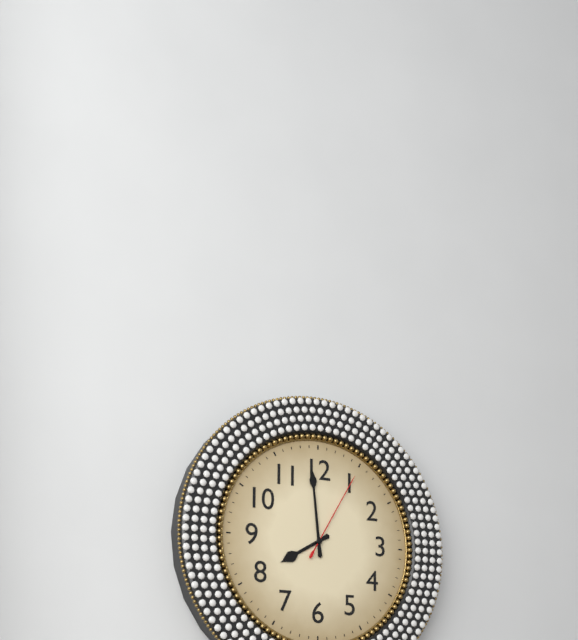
7:59:05
